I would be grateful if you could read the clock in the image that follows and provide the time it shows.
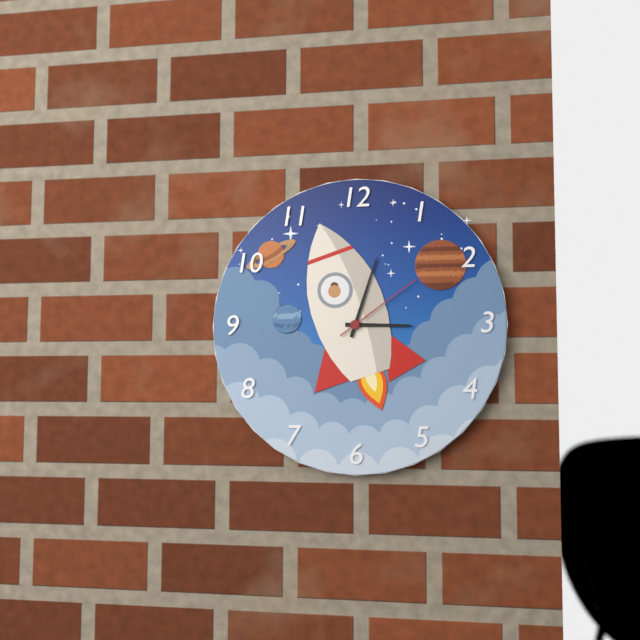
3:03:09
